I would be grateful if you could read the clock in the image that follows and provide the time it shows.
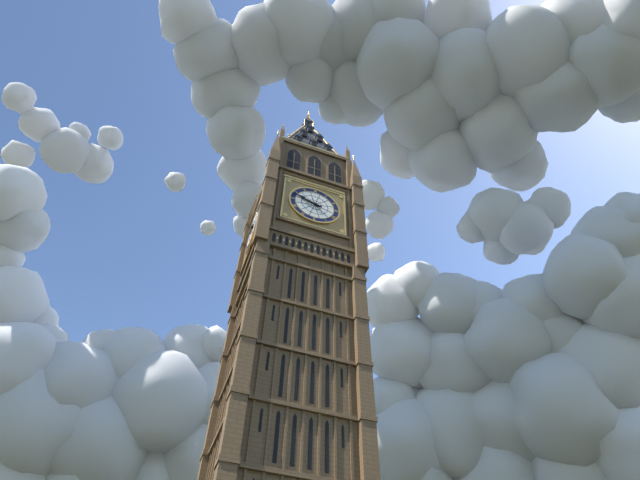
9:48
